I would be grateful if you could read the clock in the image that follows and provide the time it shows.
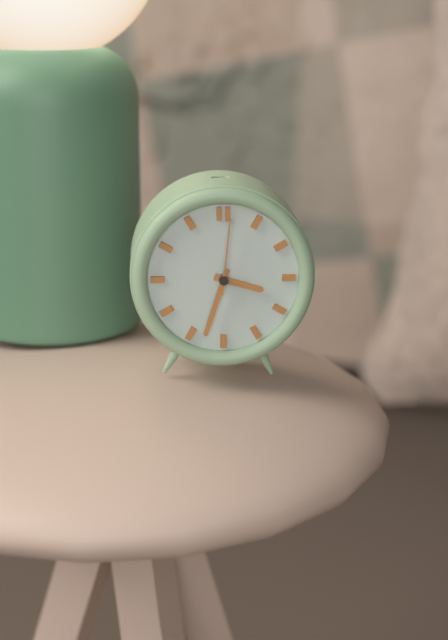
3:33:01
